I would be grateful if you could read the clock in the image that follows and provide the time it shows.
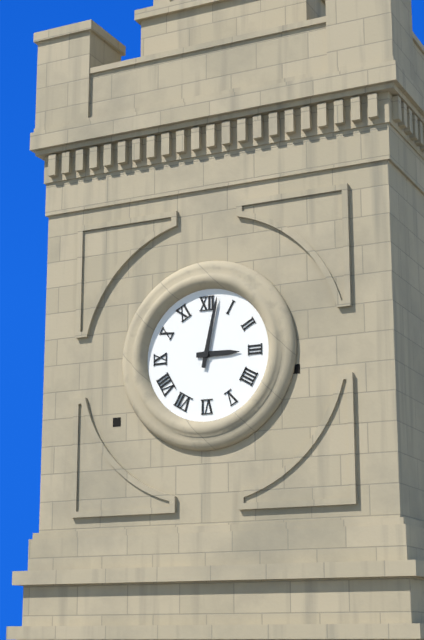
3:02
